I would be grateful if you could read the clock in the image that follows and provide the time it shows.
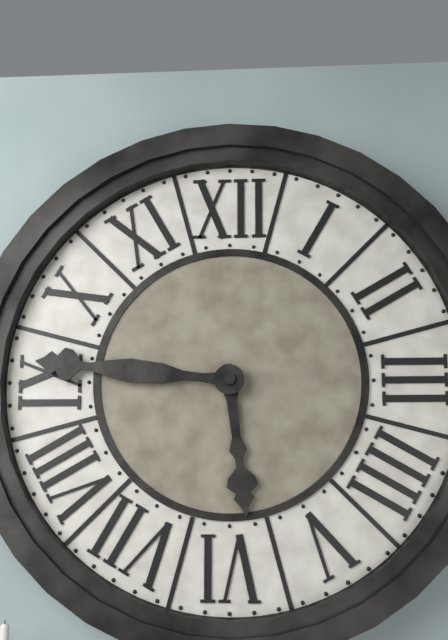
5:46
